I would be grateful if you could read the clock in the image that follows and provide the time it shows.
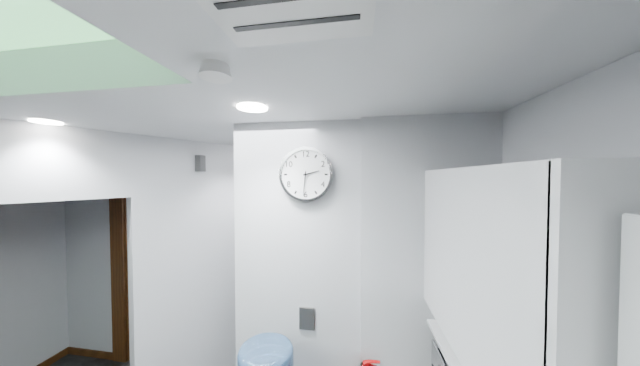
2:31
